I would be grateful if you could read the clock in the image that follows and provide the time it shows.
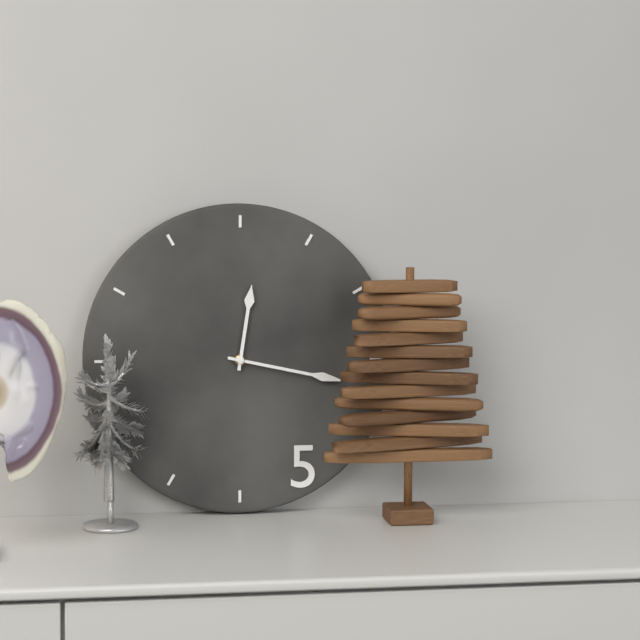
12:17
